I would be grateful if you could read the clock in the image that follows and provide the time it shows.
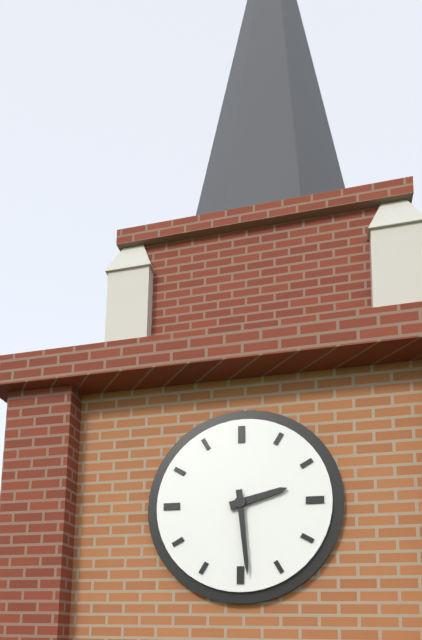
2:29
